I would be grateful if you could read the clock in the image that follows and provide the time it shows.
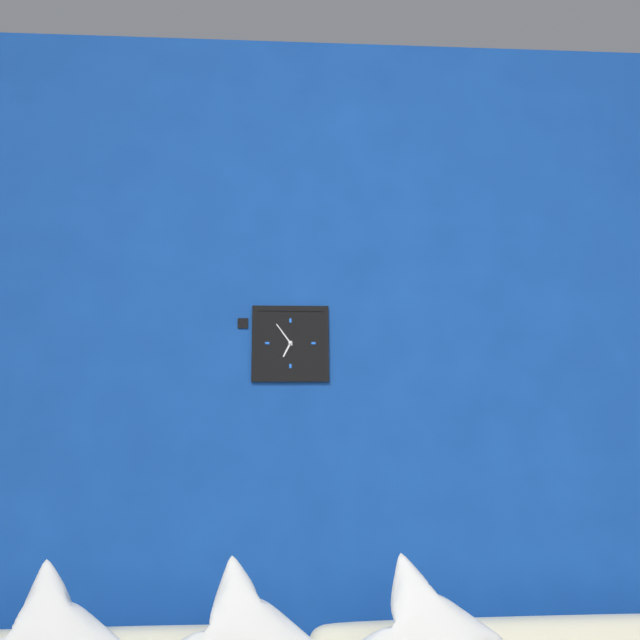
6:54
